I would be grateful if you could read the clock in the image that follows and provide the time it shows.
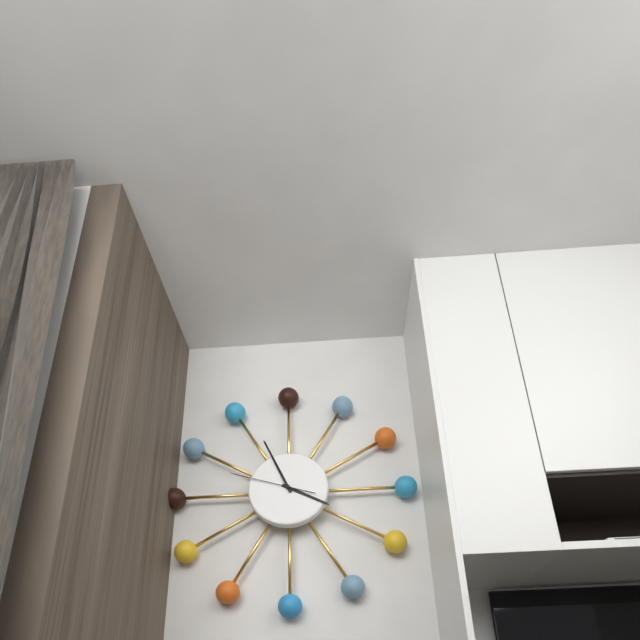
3:56:48
